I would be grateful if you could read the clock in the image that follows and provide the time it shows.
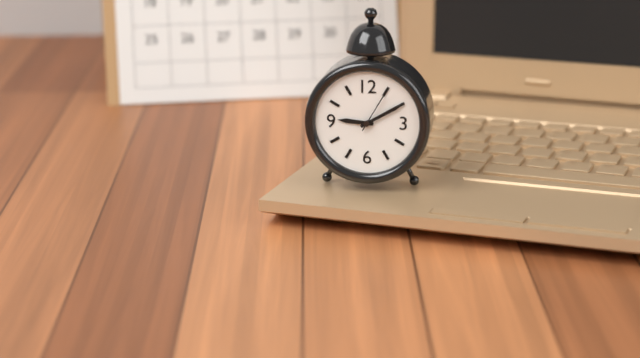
9:10
